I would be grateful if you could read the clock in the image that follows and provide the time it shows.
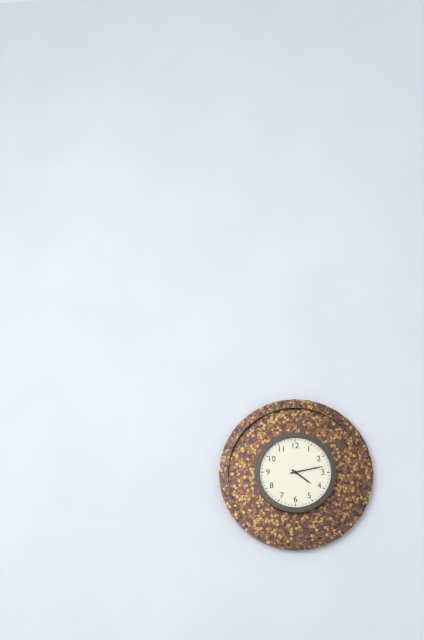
4:13
